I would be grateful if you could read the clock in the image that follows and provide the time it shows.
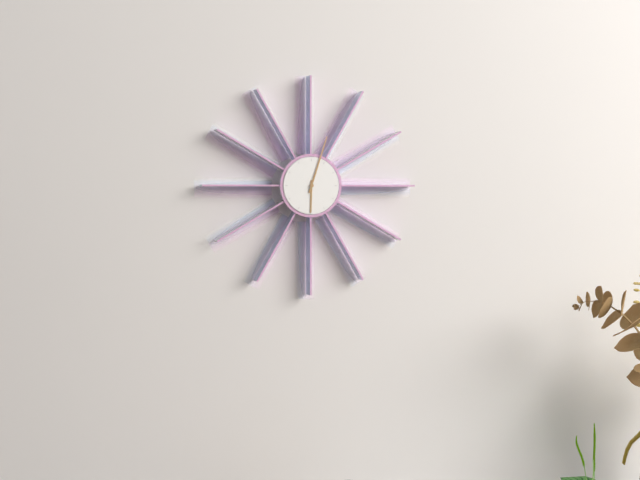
6:03
